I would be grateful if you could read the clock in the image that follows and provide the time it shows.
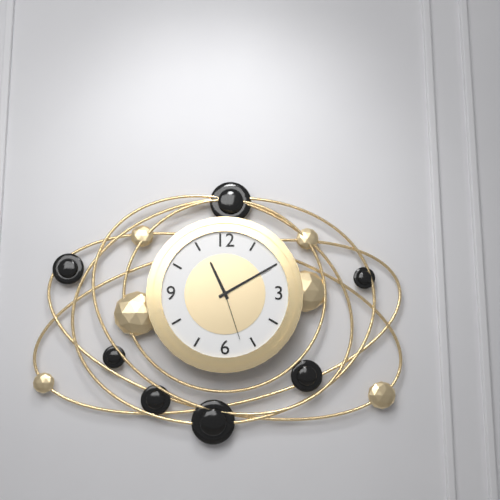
11:10:27
